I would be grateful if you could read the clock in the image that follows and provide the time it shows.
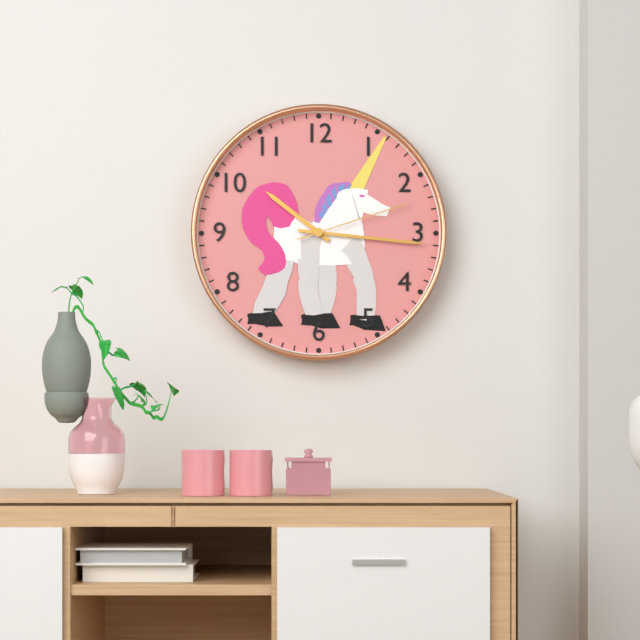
10:16:12
